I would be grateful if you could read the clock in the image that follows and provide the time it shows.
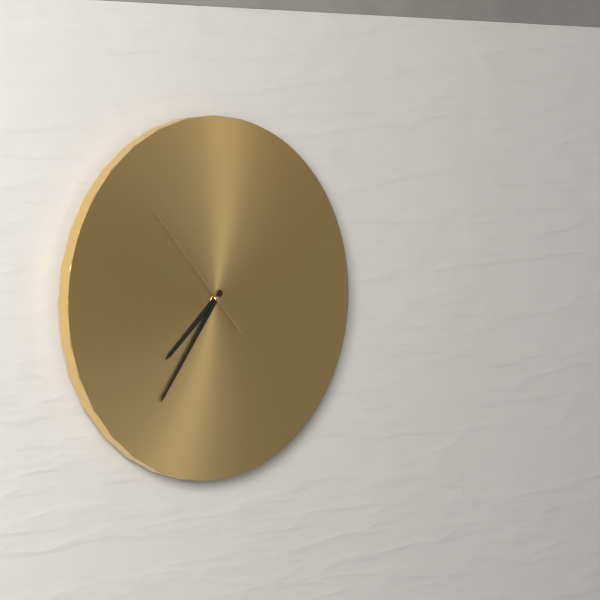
7:36:53
